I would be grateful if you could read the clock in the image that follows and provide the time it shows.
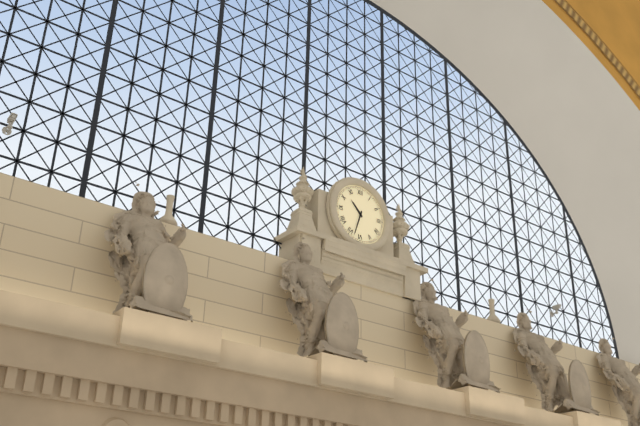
10:33
